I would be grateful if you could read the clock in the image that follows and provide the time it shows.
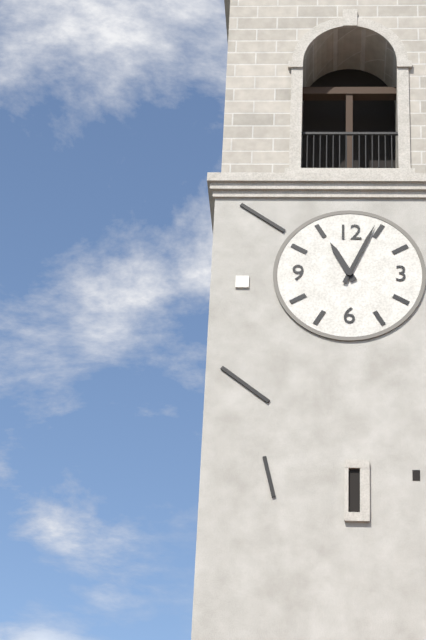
11:04
